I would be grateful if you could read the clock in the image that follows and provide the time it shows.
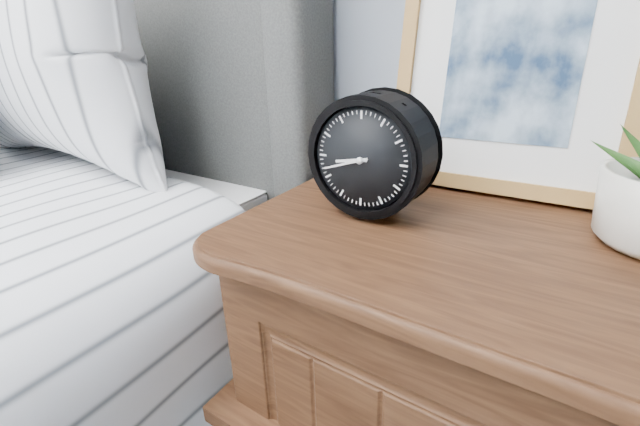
8:42
